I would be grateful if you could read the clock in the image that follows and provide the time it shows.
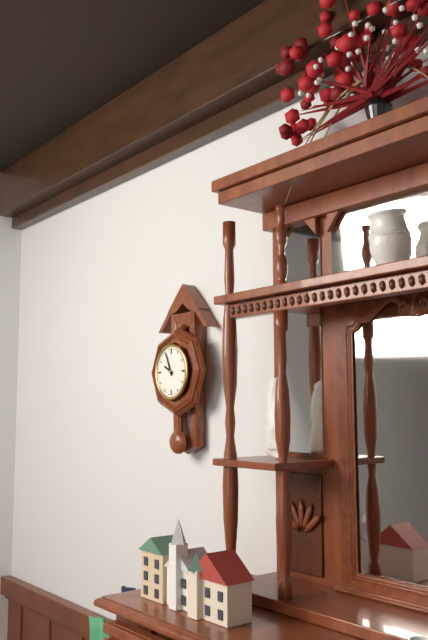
9:56
